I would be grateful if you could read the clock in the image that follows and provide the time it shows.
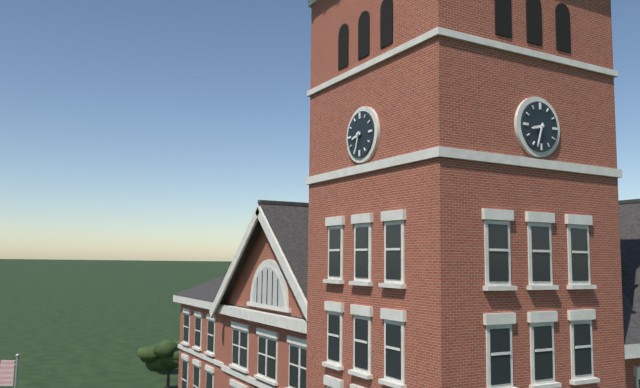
8:33
